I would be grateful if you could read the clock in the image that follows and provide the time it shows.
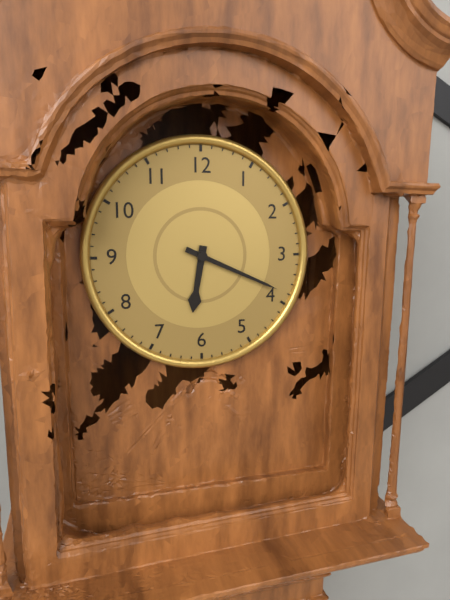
6:19
